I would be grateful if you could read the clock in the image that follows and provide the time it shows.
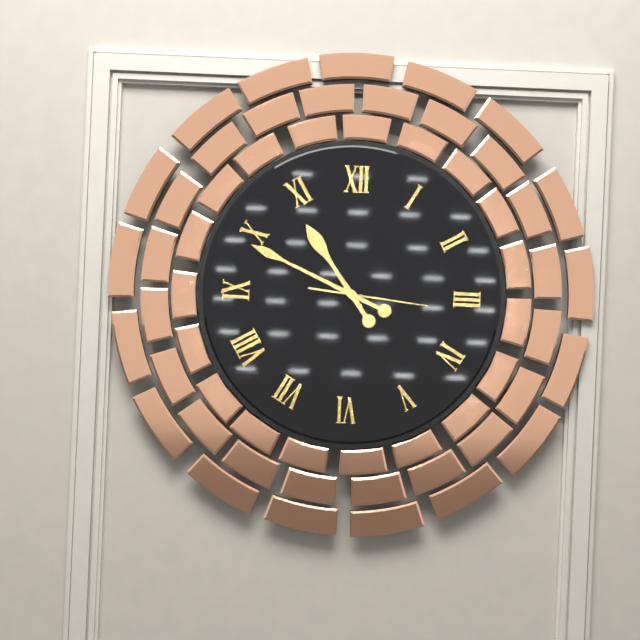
10:49:16
